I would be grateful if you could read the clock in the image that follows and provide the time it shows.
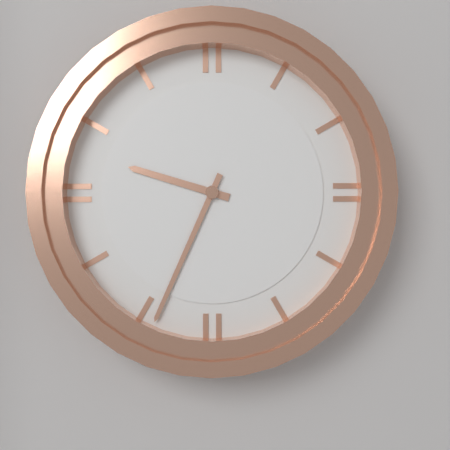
9:34
